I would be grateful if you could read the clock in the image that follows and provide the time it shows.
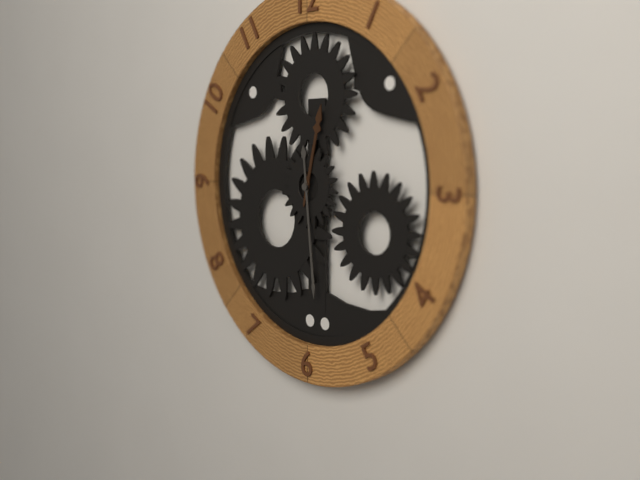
12:29
